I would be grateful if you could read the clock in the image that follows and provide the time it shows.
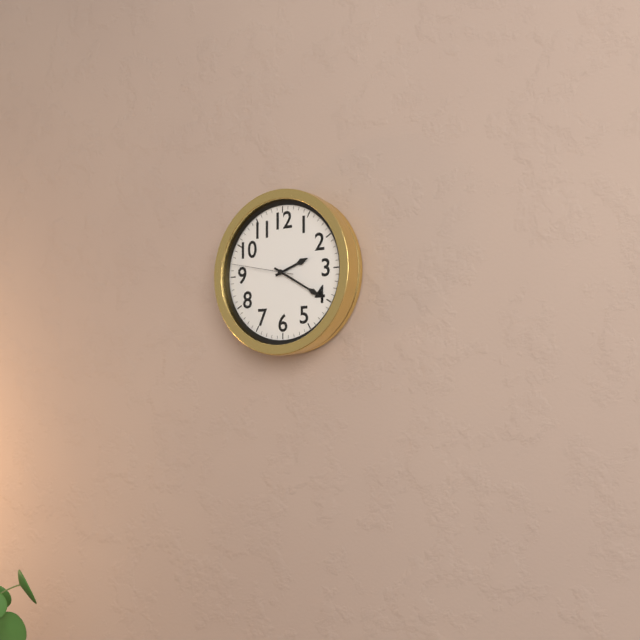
2:20:47
